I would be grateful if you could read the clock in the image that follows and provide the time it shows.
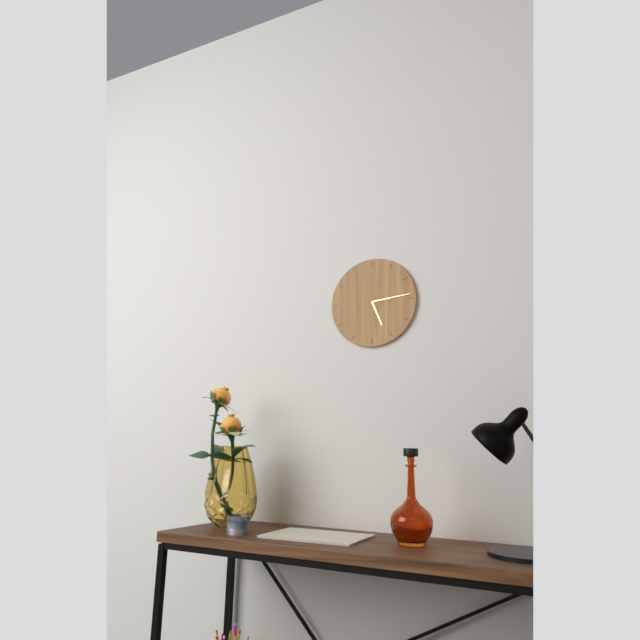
5:14
